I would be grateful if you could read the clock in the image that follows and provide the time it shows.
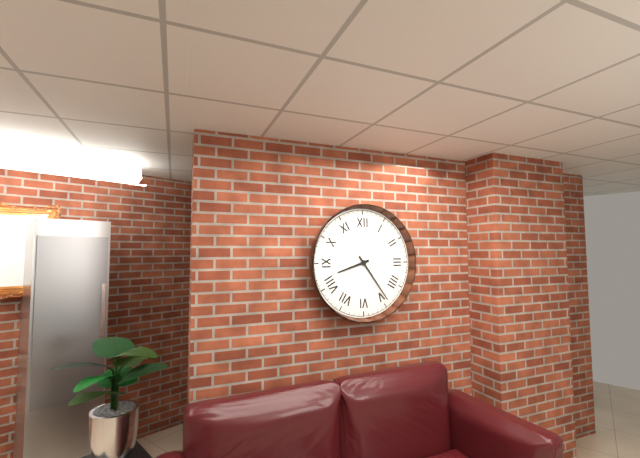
8:24
